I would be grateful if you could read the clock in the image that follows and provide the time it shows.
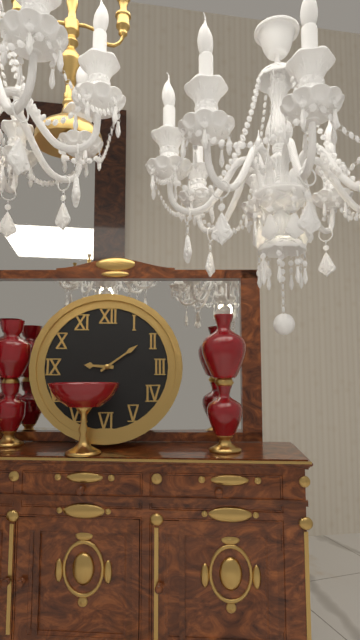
9:09
